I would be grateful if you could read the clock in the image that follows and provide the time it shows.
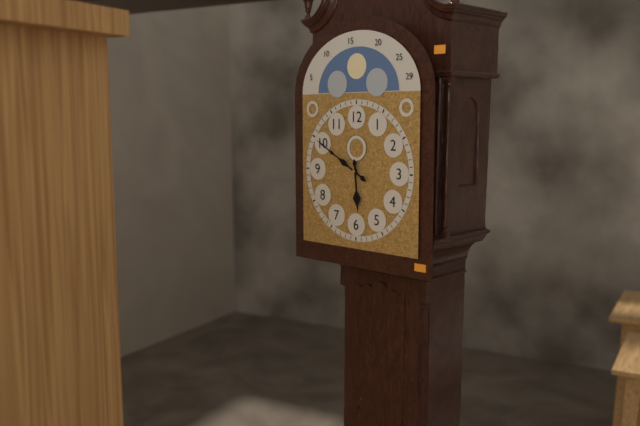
5:50
